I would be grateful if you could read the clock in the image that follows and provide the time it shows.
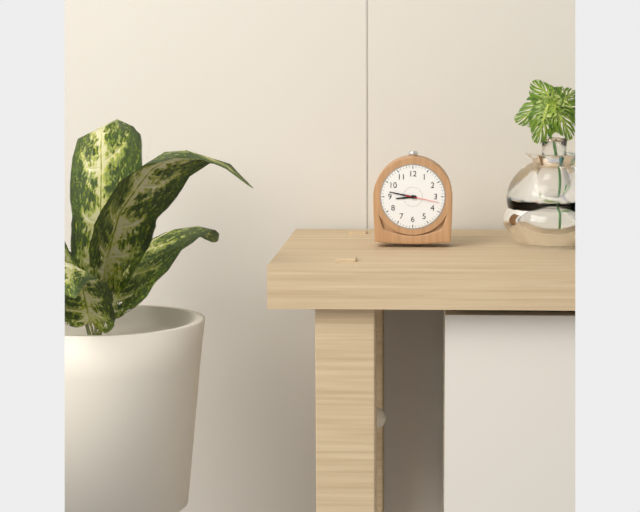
8:47
